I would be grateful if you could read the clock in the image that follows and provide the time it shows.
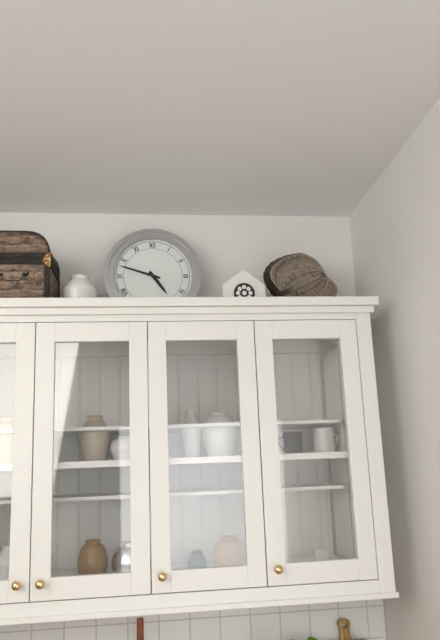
4:48
